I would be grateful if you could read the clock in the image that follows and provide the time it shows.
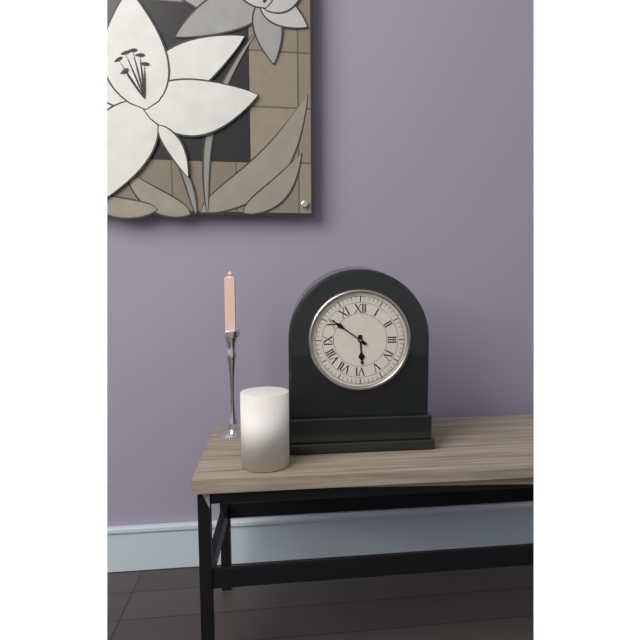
5:51
